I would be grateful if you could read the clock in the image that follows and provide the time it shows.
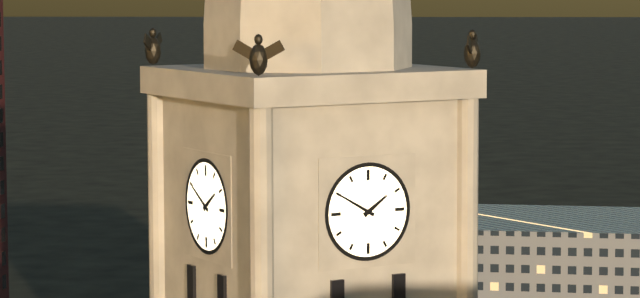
1:50
